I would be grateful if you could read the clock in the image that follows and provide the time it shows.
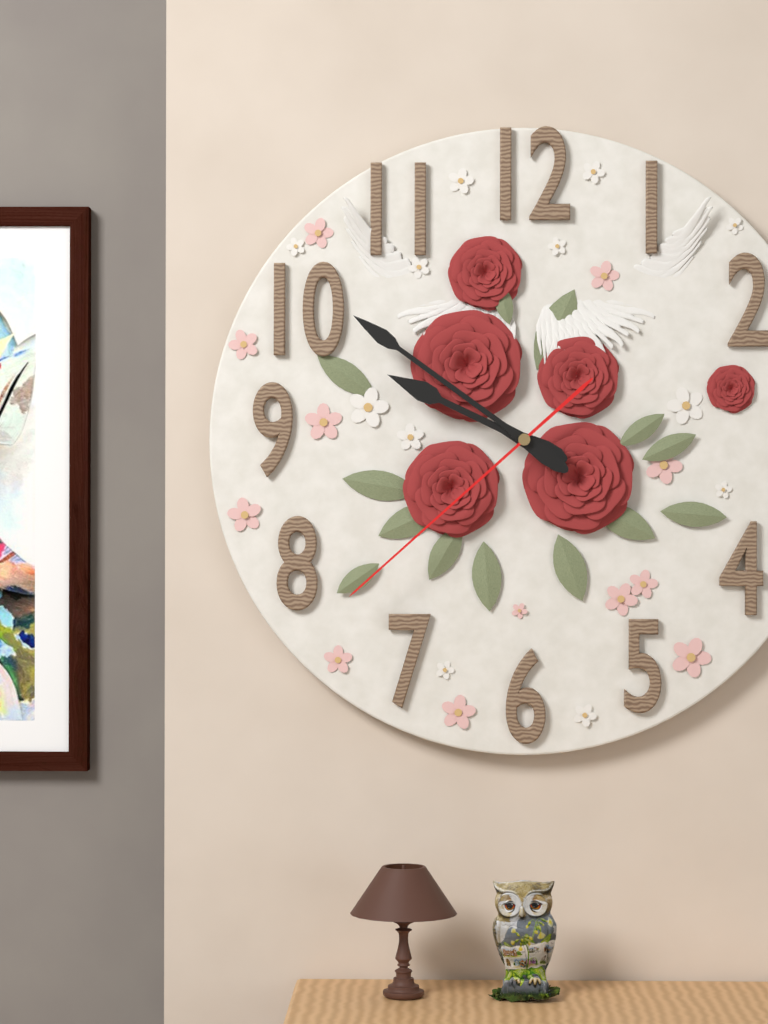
9:51:38
